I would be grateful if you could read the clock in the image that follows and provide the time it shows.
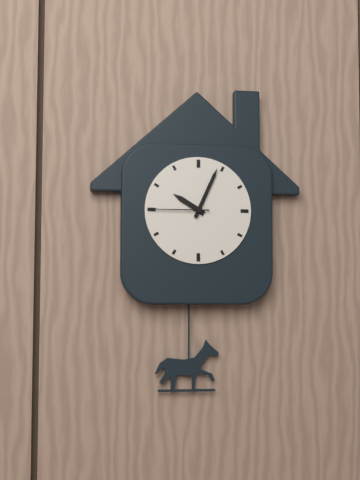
10:04:45
